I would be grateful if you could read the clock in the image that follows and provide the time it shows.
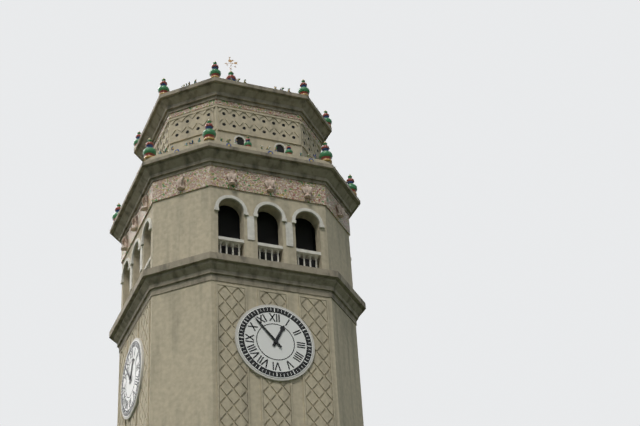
12:53
